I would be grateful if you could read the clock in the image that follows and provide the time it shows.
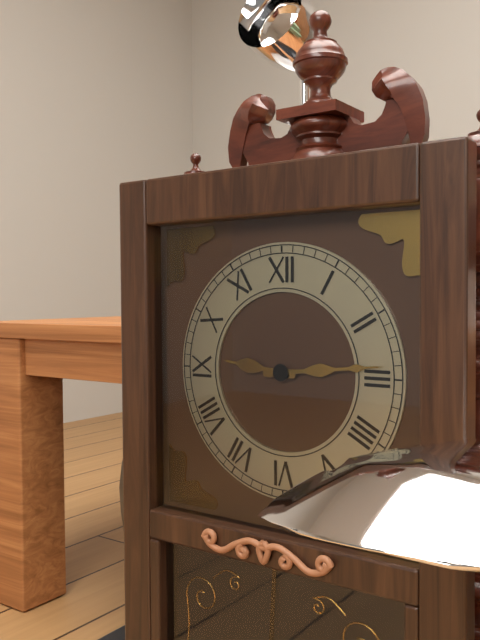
9:14
